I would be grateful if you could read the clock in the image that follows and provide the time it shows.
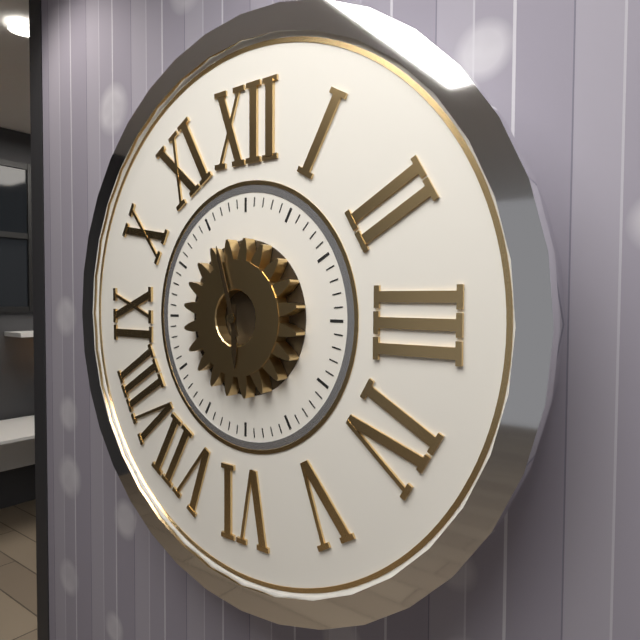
5:57
